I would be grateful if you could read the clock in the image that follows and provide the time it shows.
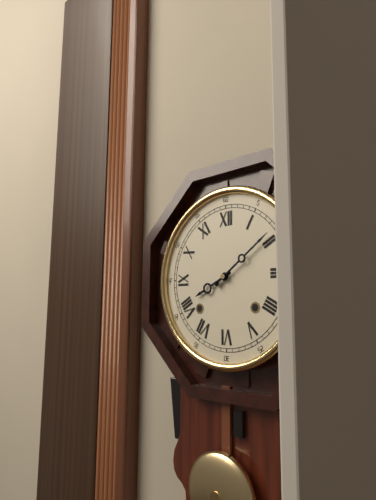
8:09
